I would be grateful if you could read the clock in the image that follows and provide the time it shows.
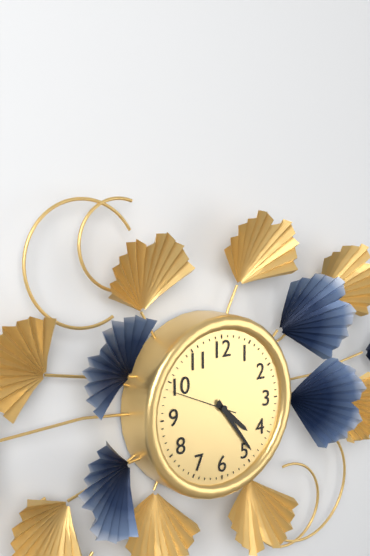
4:24:49
